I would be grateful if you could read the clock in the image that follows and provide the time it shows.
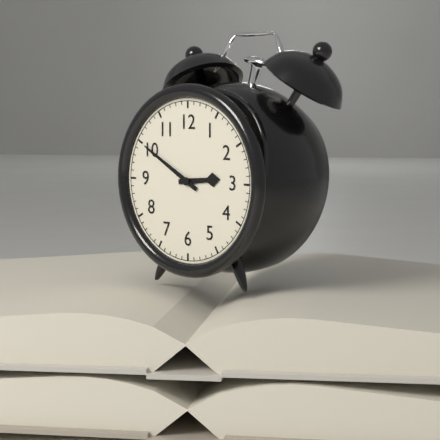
2:50
